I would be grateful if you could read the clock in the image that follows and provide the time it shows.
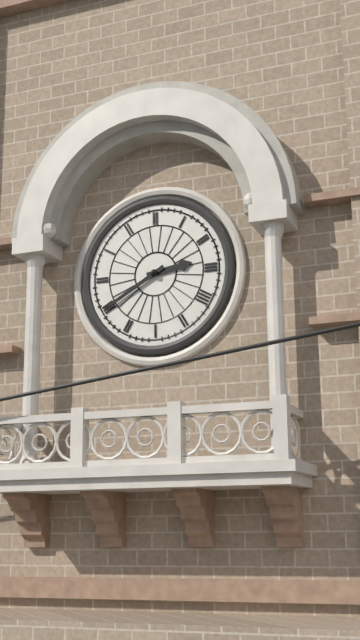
2:40
